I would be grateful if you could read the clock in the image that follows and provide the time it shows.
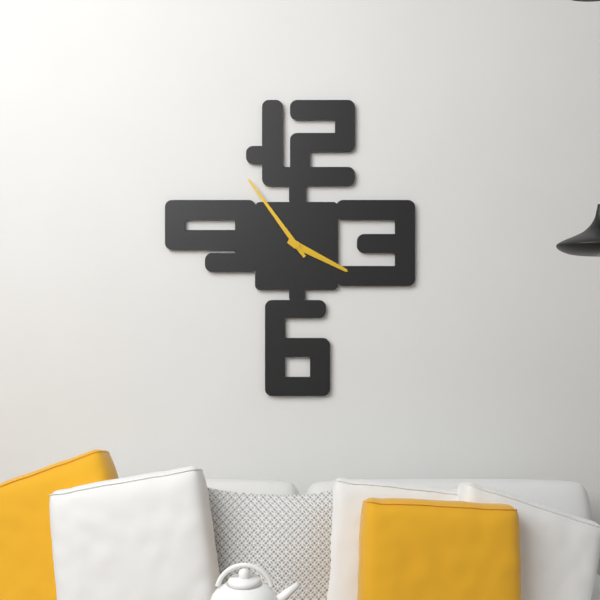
3:54
